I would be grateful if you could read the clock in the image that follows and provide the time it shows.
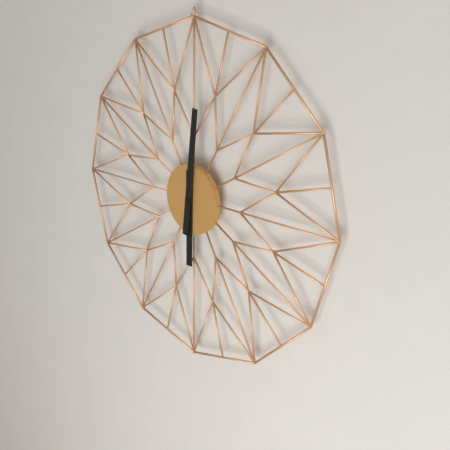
6:01
